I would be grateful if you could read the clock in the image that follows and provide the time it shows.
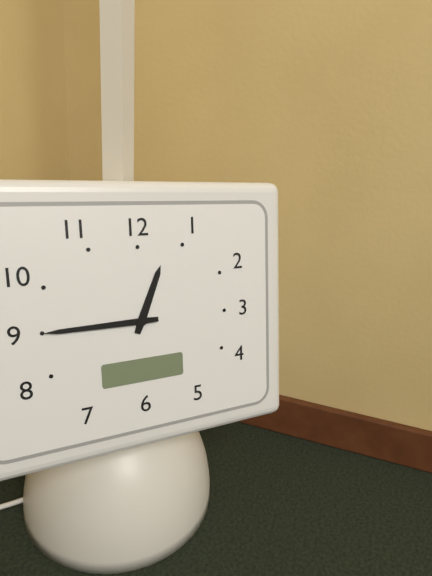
12:45
